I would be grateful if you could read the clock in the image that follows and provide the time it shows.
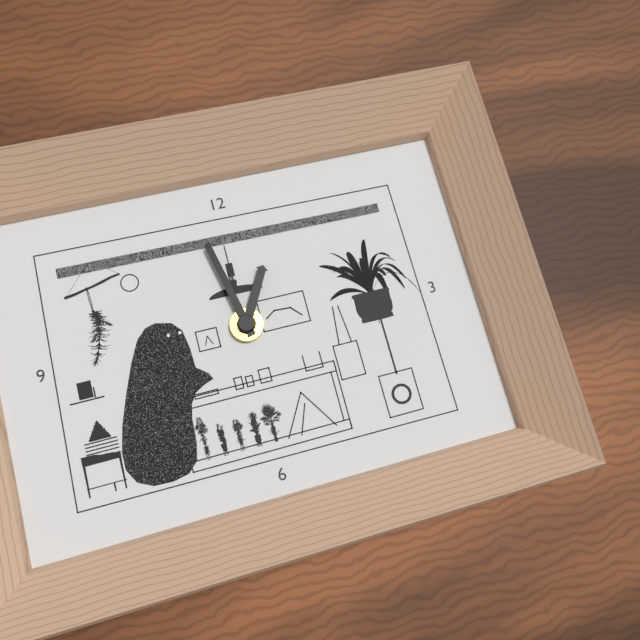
12:58
